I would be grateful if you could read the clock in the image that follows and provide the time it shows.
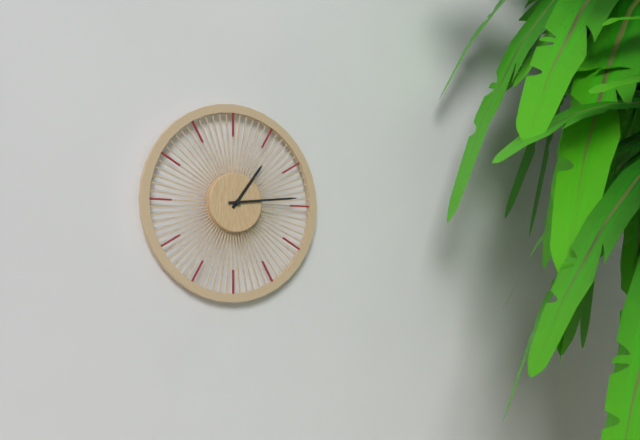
1:14
